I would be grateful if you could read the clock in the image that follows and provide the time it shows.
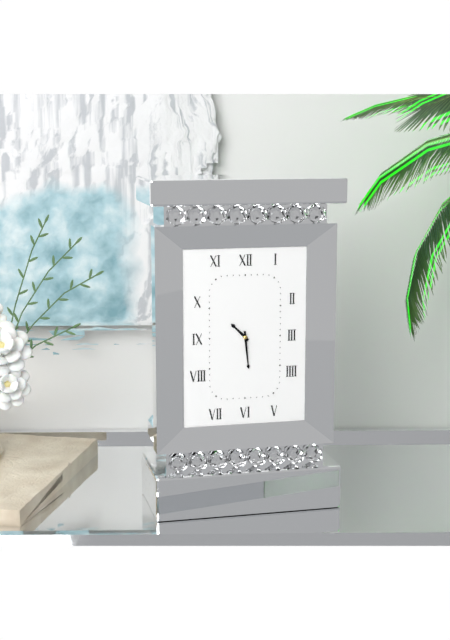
10:29
